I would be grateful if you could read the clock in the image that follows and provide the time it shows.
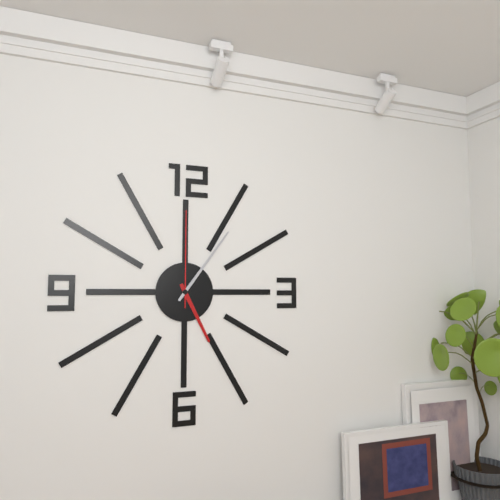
5:06:00
